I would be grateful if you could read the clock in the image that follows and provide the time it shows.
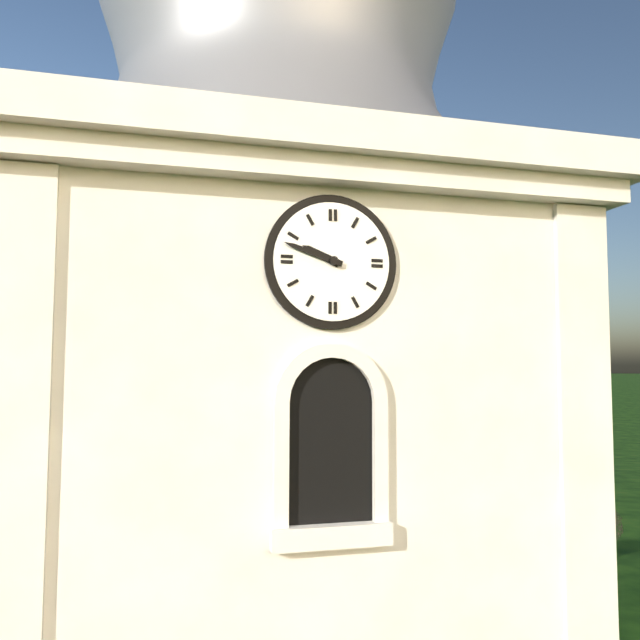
9:48
